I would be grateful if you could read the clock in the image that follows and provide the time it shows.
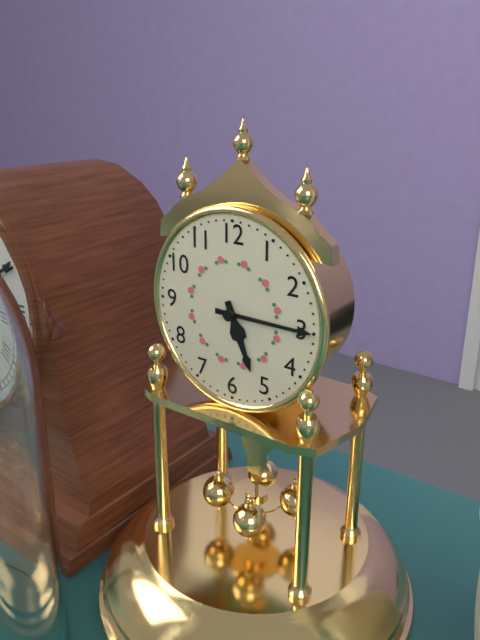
5:15
